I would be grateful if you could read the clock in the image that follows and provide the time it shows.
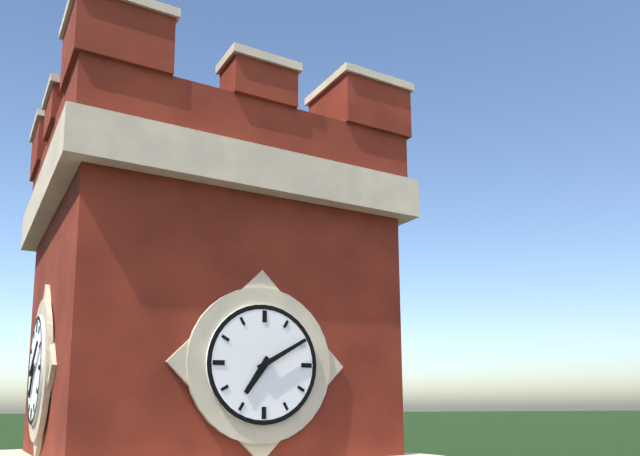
7:10
